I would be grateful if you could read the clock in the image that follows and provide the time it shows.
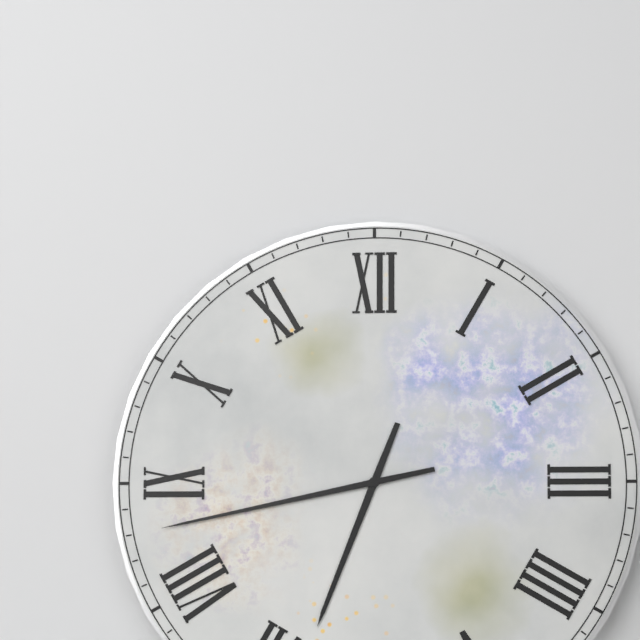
6:43
